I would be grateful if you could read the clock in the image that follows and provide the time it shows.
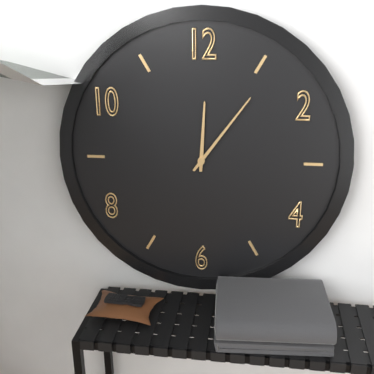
12:06
